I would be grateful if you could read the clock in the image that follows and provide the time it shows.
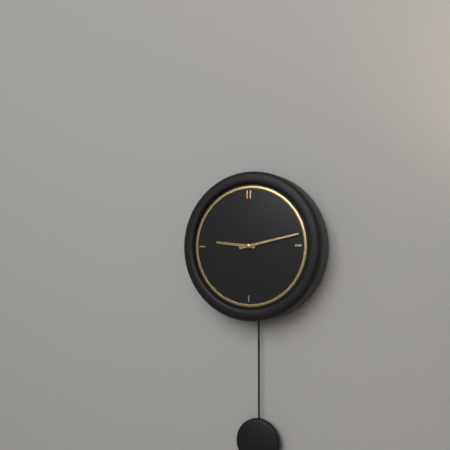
9:13
